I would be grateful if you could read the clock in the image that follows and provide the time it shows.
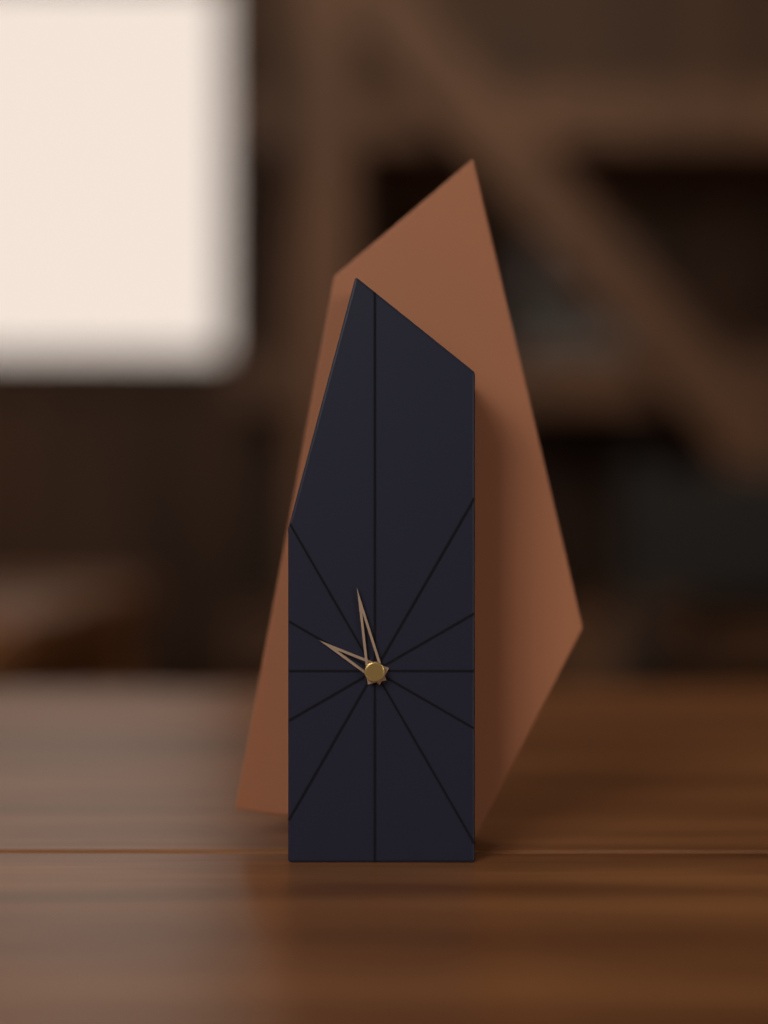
9:58
